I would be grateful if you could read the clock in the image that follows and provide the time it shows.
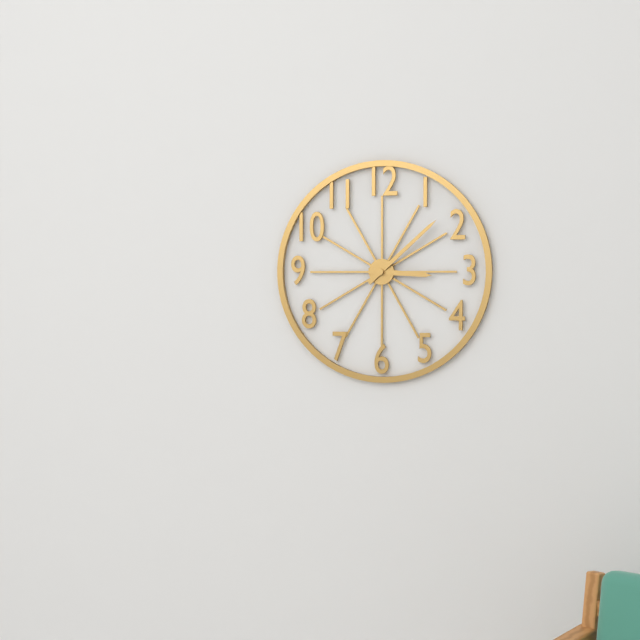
3:08
